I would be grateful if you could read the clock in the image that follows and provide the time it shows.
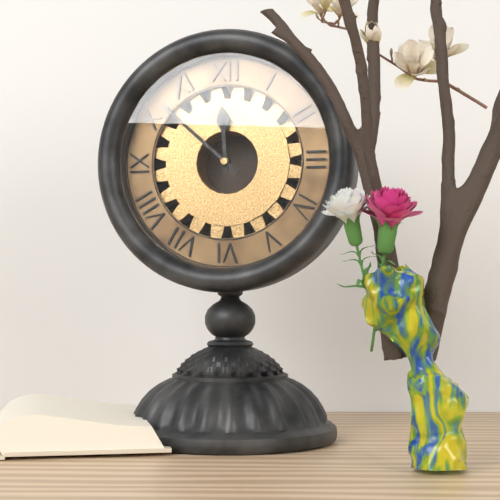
11:52
